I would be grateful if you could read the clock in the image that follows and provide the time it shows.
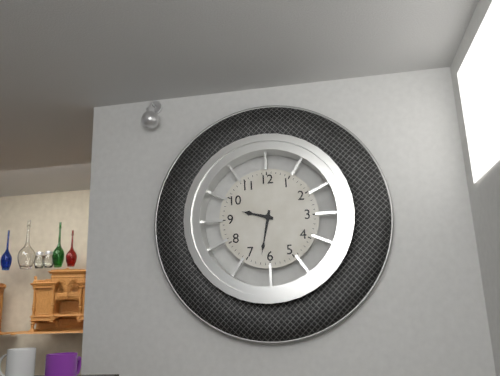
9:32
